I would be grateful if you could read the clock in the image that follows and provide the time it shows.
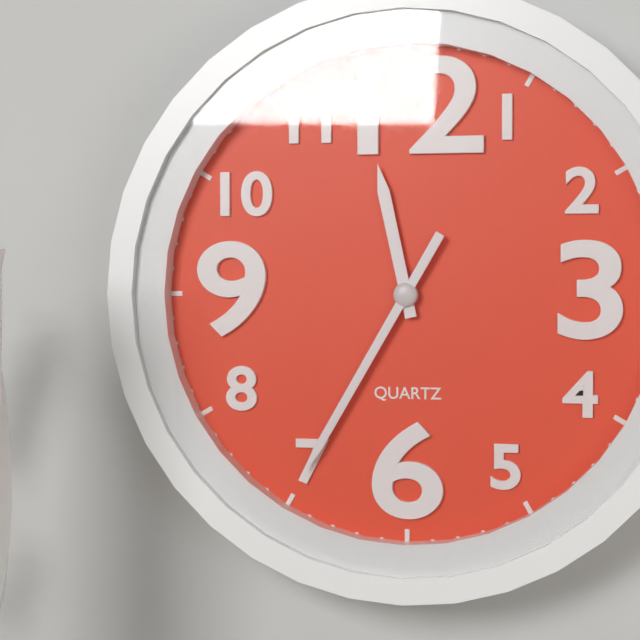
11:35
